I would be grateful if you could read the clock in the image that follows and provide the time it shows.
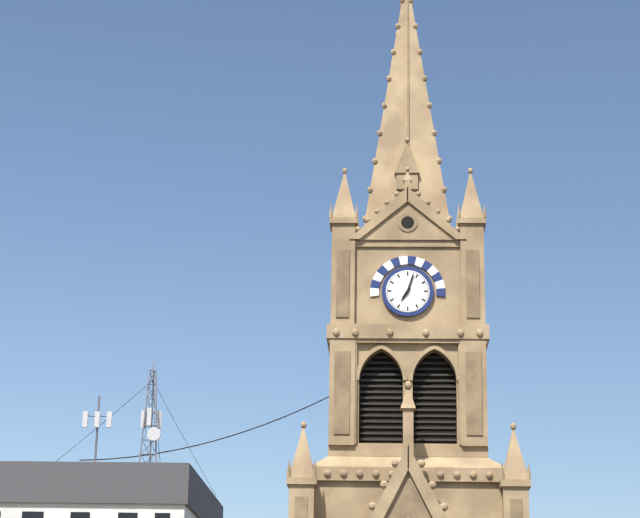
7:03
